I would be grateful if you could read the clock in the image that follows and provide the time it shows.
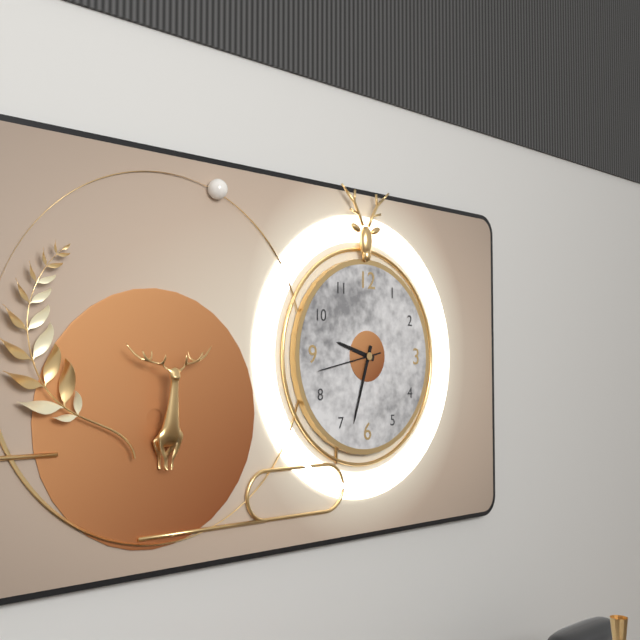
9:33:43
